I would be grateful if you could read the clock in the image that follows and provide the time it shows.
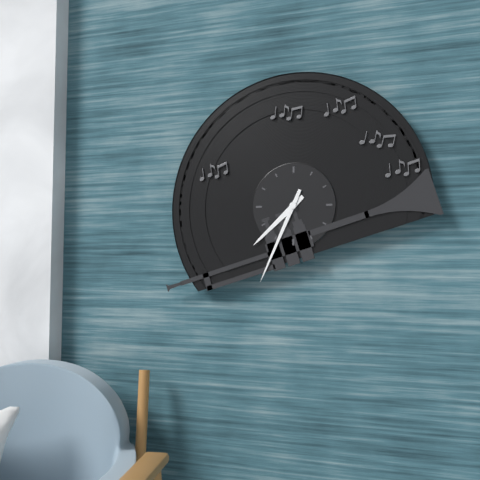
7:34
